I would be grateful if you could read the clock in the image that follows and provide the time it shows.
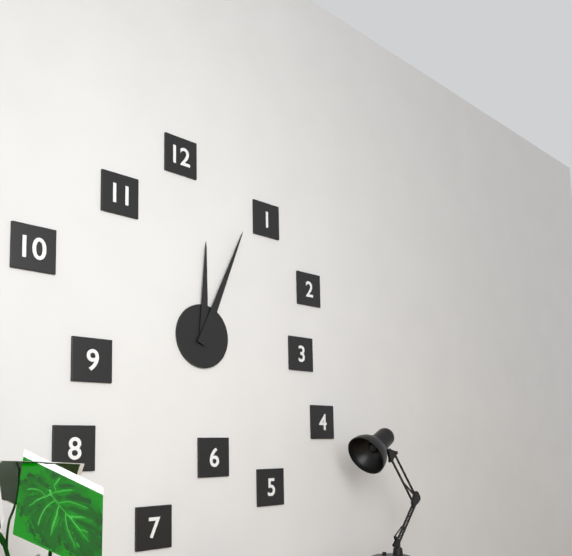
12:04
